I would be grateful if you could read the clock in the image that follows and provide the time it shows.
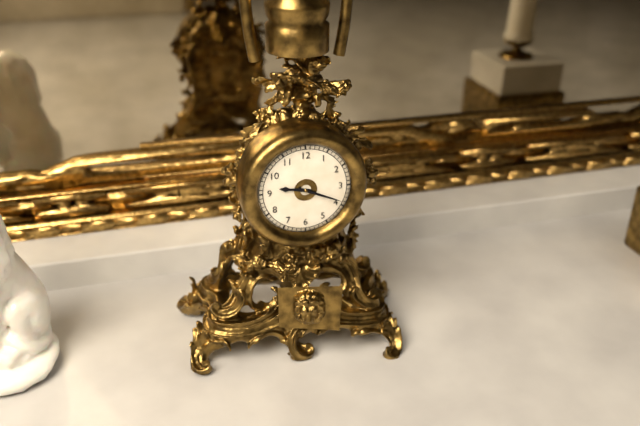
9:19
